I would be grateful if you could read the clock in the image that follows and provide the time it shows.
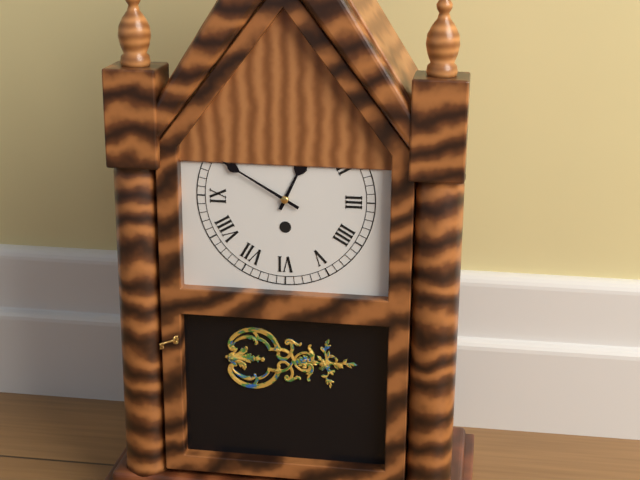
12:50
